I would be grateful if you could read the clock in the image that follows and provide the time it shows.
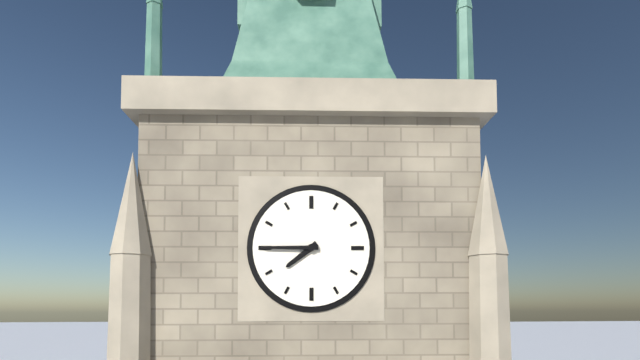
7:45
